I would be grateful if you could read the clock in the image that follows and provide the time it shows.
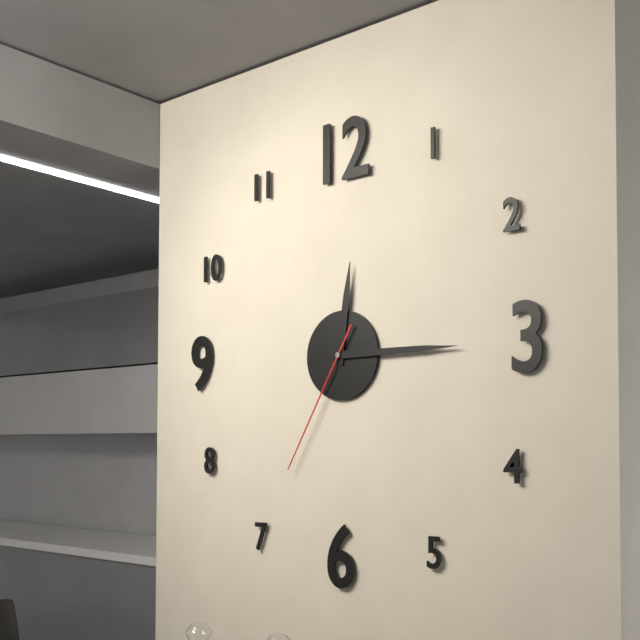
12:15:35
